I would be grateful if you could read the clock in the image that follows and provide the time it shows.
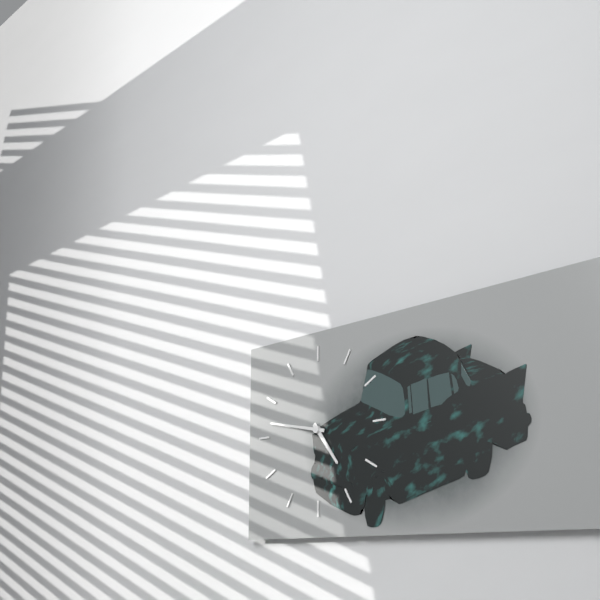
4:47
